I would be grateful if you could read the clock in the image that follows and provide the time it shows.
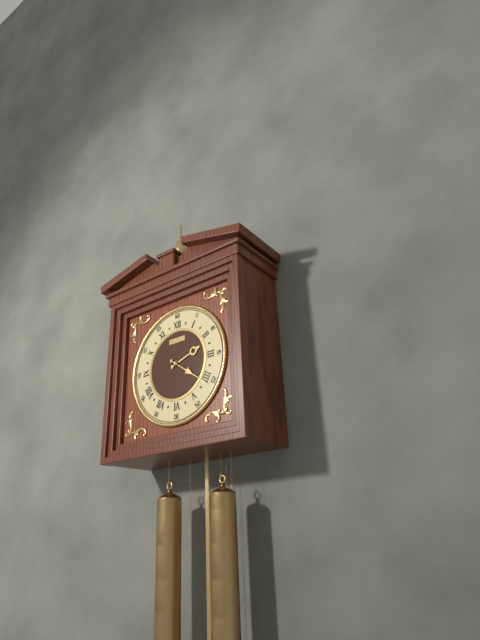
2:21
